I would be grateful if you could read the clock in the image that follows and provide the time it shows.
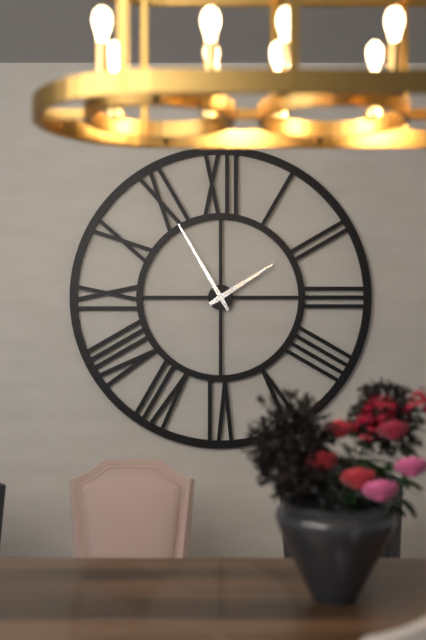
1:55
